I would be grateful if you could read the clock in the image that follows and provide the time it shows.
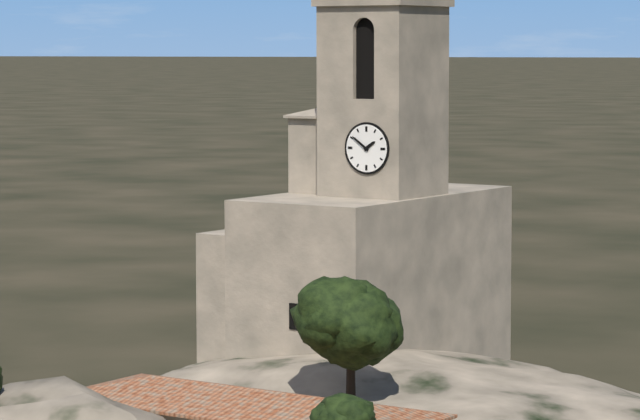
1:51
